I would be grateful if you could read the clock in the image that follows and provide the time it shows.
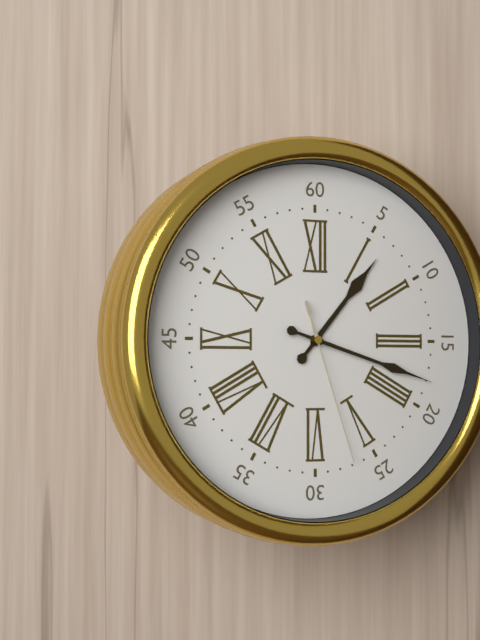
1:18:27
